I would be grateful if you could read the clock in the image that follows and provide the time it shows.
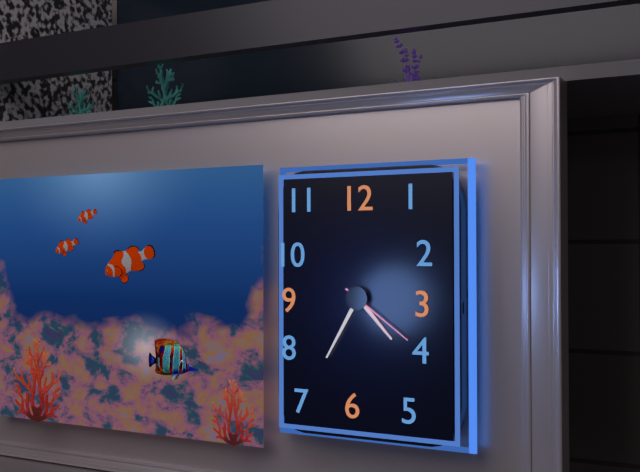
4:35:21
